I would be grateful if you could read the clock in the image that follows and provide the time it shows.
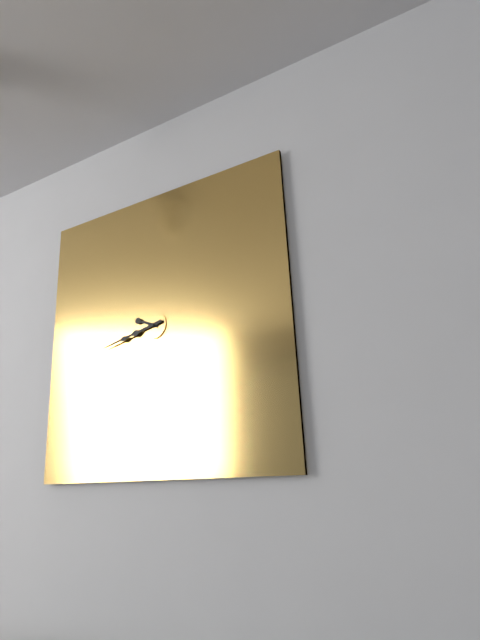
9:43
